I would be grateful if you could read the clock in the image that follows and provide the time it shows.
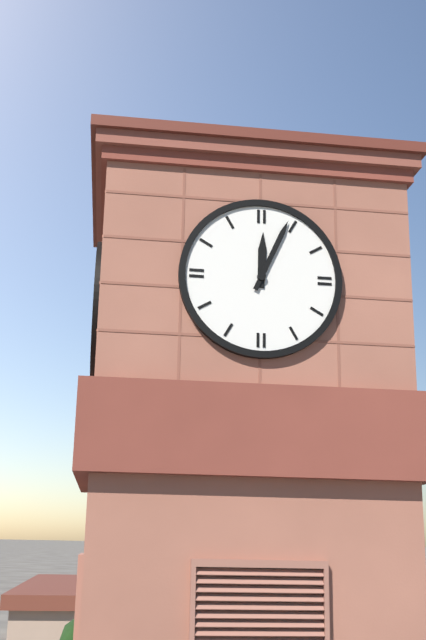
12:04
